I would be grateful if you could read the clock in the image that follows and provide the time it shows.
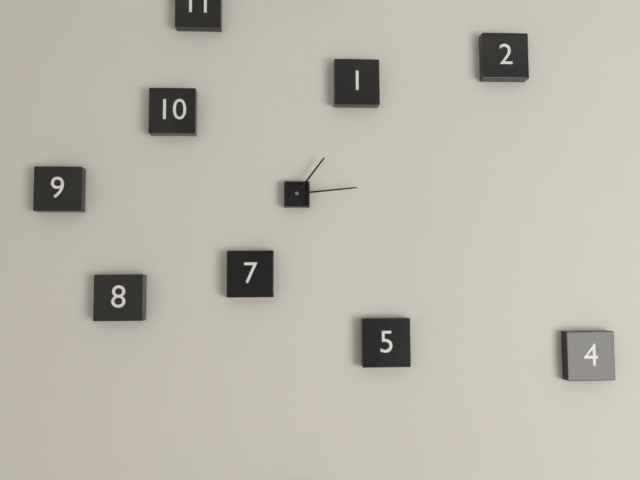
1:14
